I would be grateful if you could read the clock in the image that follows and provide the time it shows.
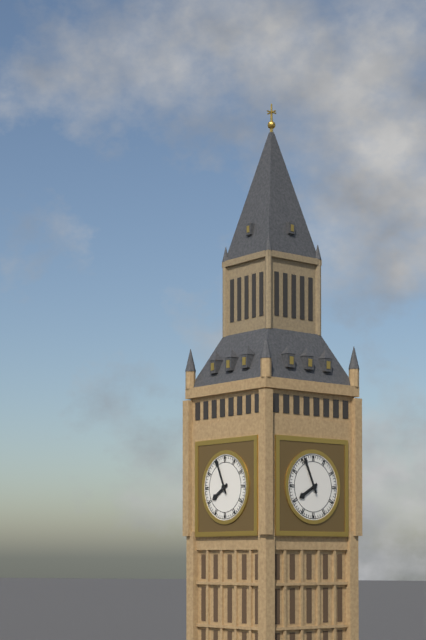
7:56
